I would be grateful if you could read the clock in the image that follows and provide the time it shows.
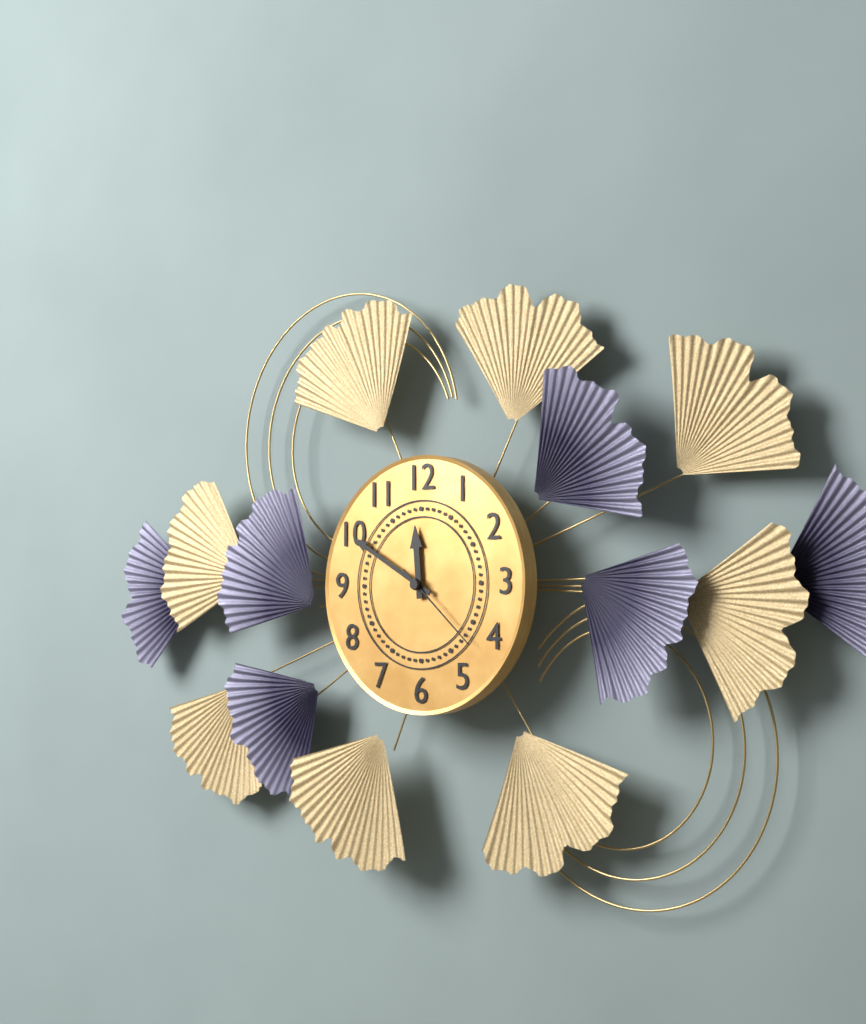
11:50:22
